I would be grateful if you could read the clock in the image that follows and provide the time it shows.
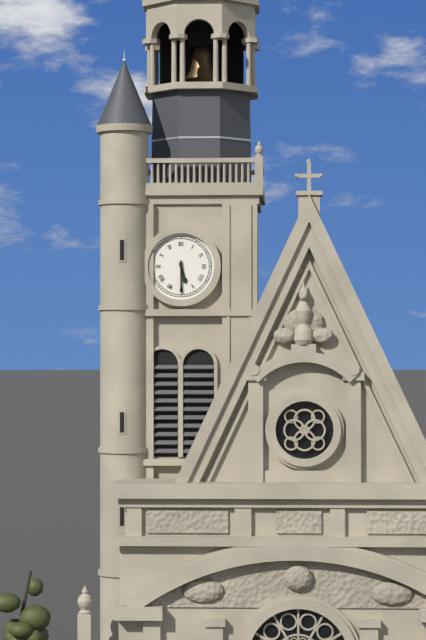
5:30
